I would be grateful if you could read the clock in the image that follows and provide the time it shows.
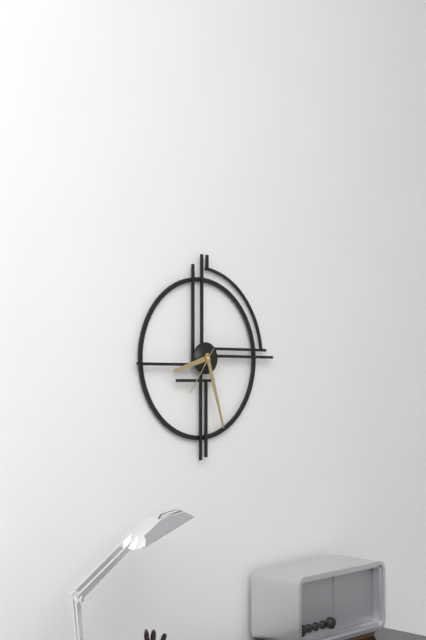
8:27:36
